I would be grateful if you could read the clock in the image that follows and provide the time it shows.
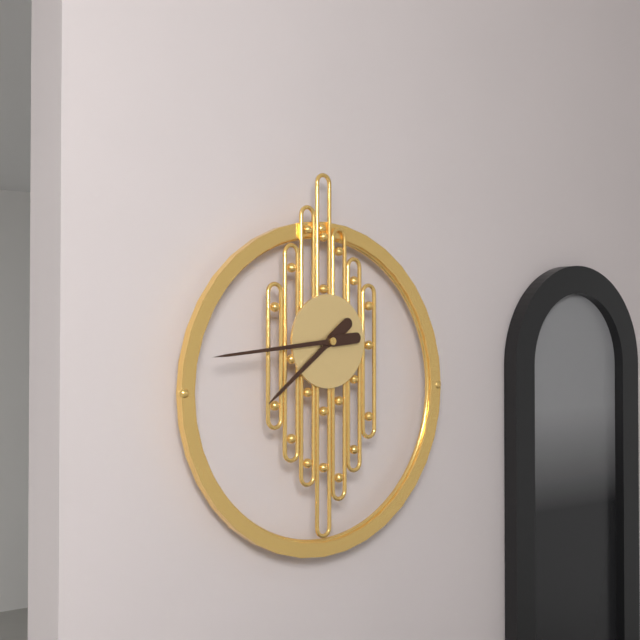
7:44
